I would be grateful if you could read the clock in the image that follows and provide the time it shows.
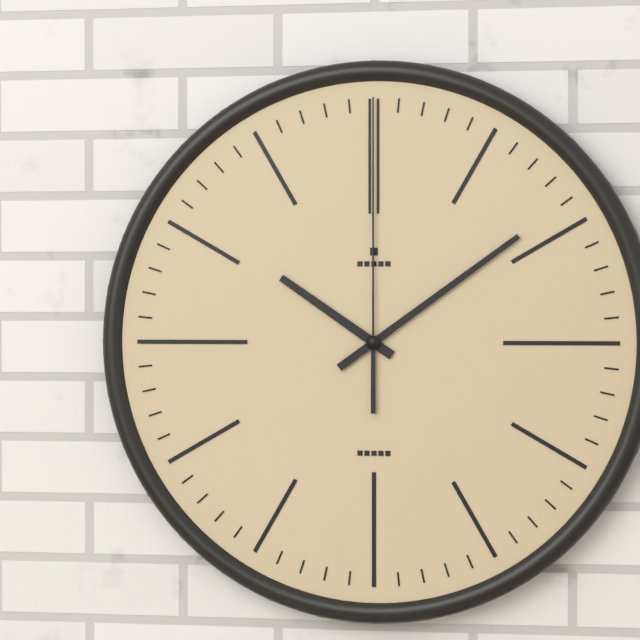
10:09:00
